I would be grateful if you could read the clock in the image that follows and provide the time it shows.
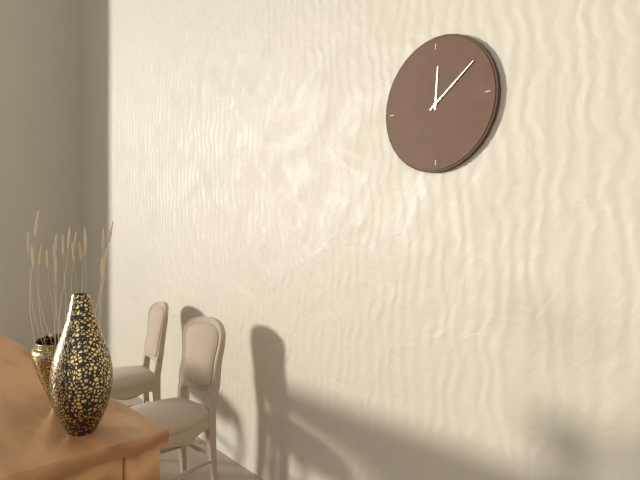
12:09
